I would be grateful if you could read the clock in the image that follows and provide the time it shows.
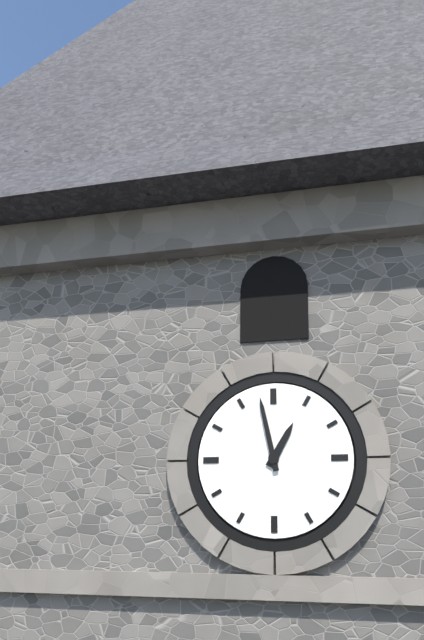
12:58
